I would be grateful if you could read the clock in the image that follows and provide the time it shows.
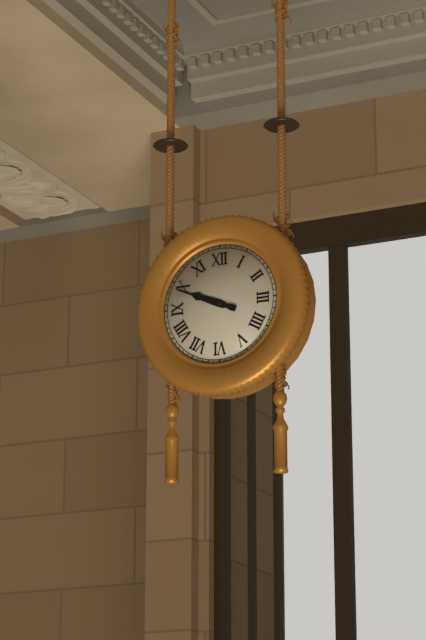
9:49
